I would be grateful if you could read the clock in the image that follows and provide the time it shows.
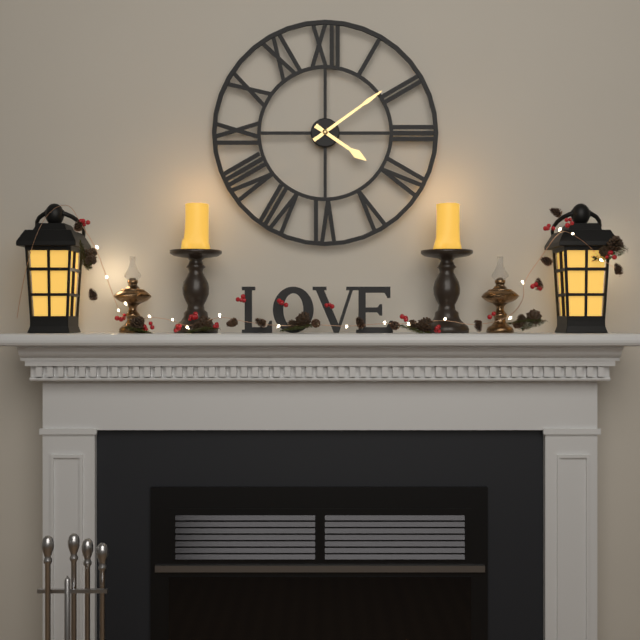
4:09
